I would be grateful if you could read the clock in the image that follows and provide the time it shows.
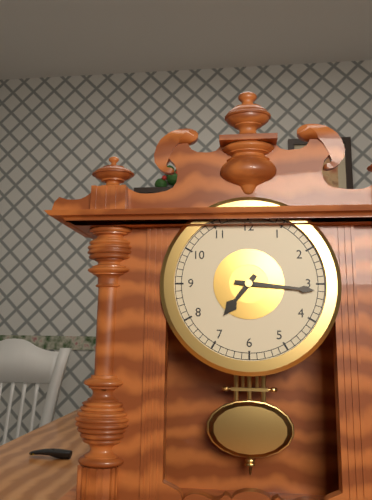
7:16
